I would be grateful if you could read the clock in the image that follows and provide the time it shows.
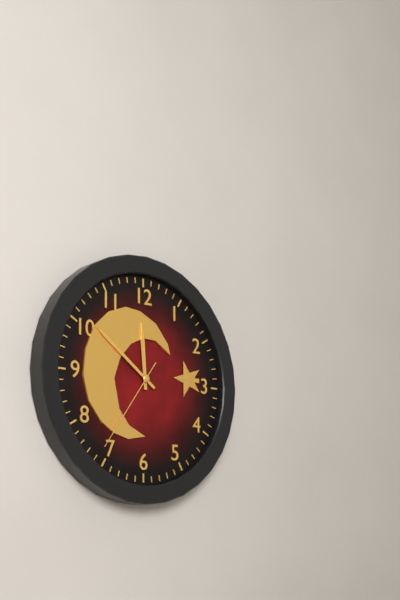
11:51:36
